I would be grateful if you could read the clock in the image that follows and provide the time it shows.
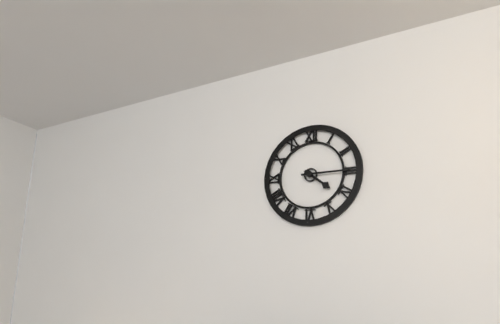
4:15
